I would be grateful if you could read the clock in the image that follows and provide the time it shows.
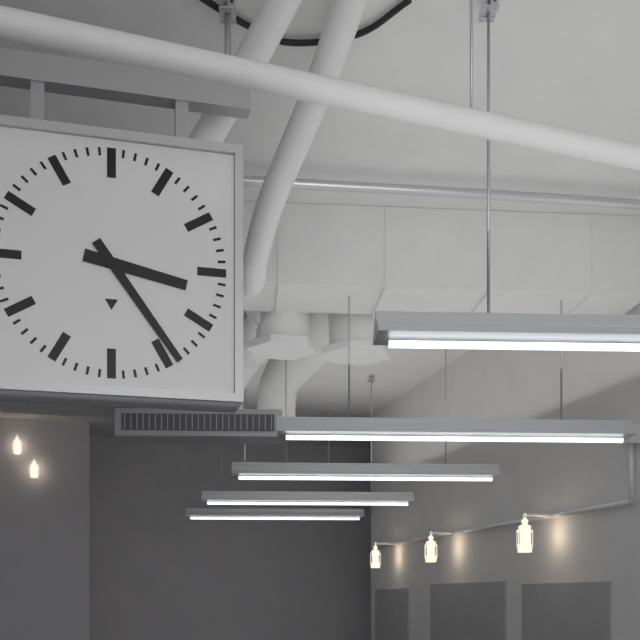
3:24
